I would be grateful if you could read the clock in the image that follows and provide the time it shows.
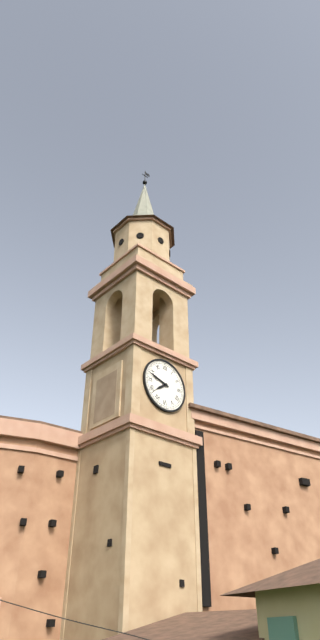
7:48
